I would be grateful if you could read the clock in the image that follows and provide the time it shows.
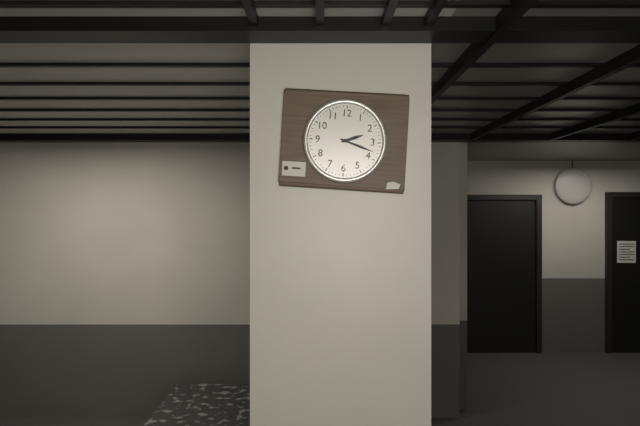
2:18
